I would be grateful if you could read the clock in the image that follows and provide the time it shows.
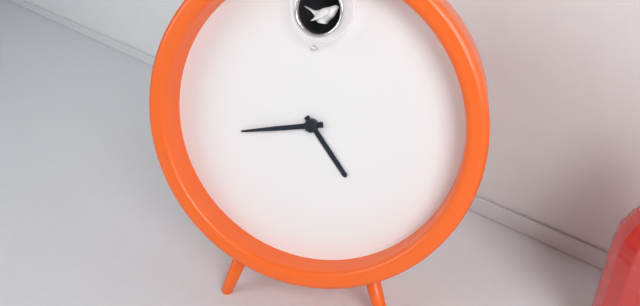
4:43
